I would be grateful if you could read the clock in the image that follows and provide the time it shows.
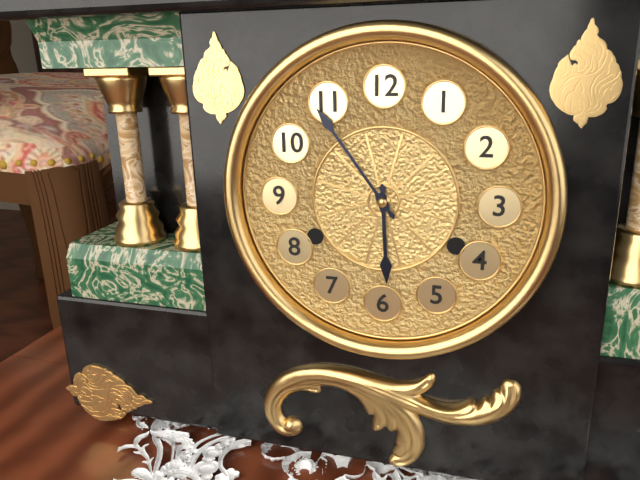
5:54
